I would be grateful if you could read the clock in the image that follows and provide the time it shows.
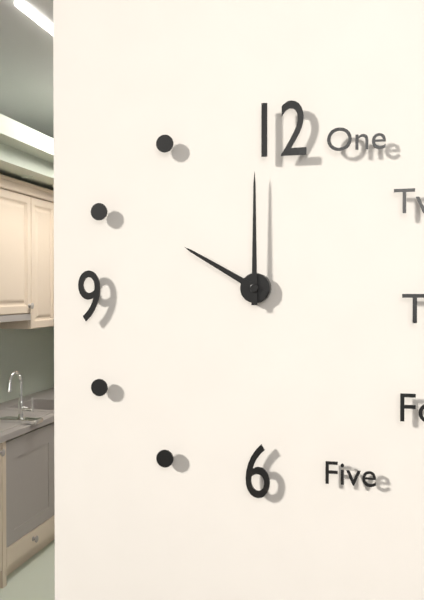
10:00
